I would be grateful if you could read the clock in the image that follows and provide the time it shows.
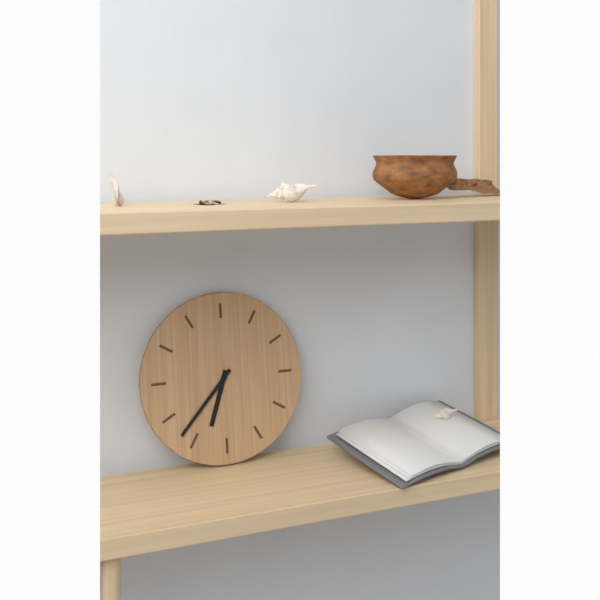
6:37
